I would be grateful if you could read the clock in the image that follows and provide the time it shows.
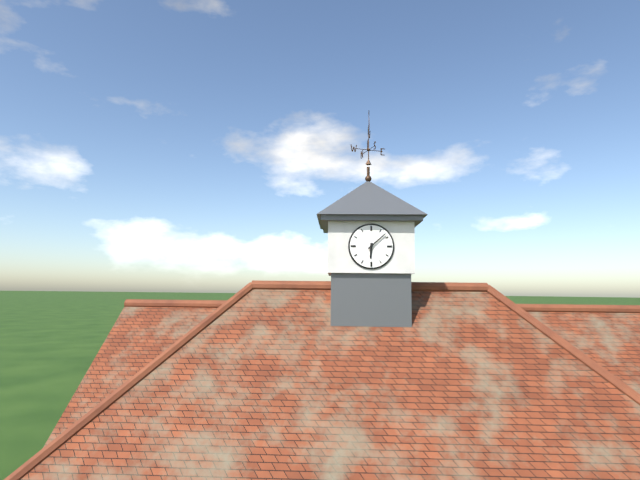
6:08
